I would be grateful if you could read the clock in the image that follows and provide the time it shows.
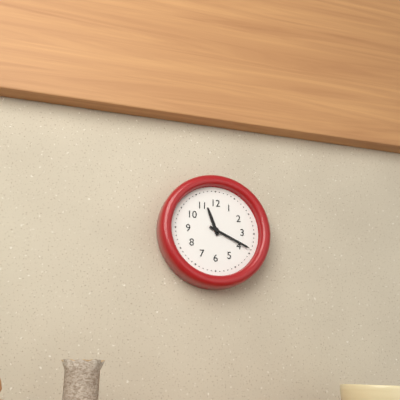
11:19
